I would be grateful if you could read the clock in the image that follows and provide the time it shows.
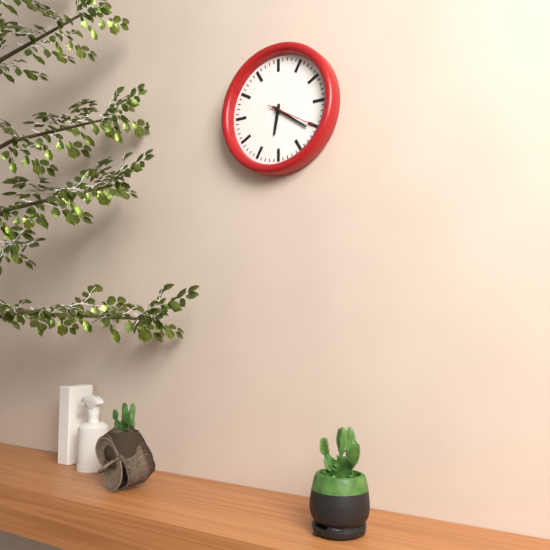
6:21
